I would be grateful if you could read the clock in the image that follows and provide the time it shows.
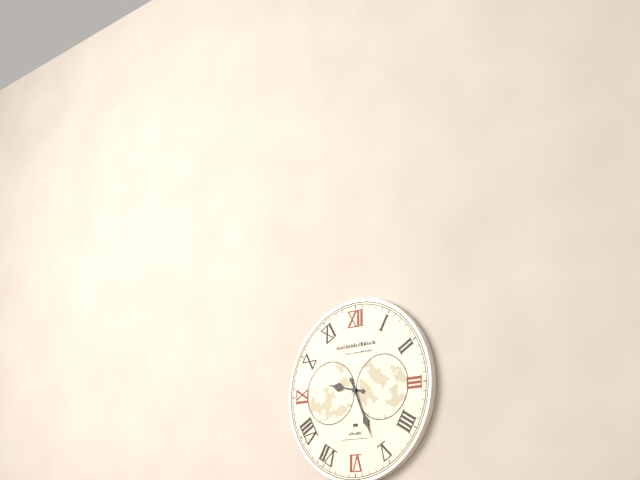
9:26
